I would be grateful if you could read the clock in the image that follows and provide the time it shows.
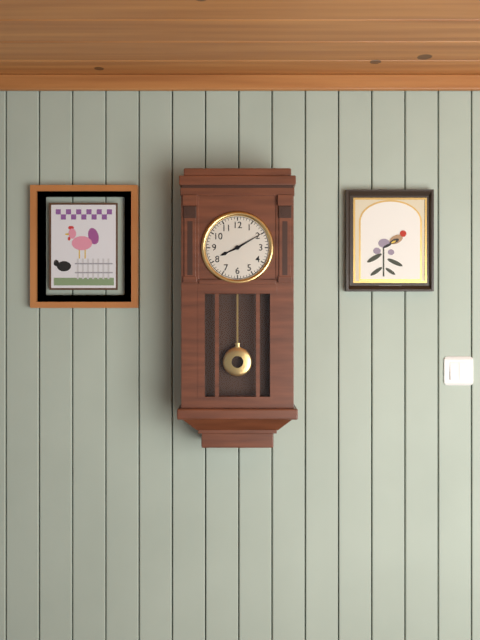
8:10
